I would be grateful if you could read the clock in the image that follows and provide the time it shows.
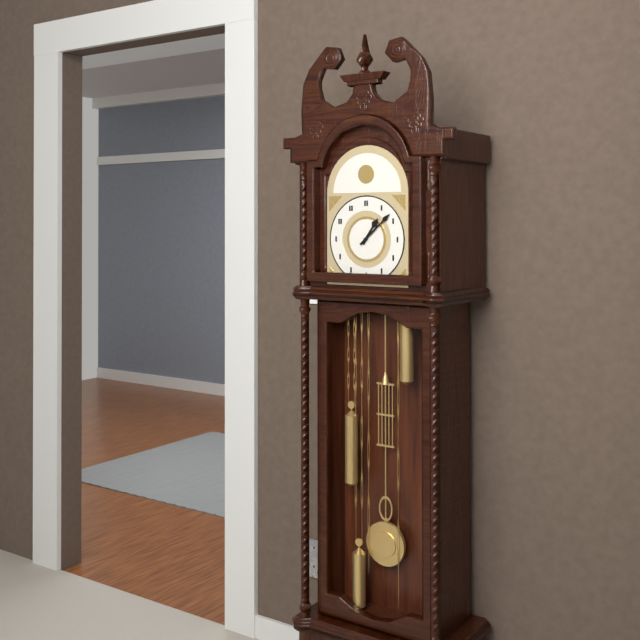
1:08
